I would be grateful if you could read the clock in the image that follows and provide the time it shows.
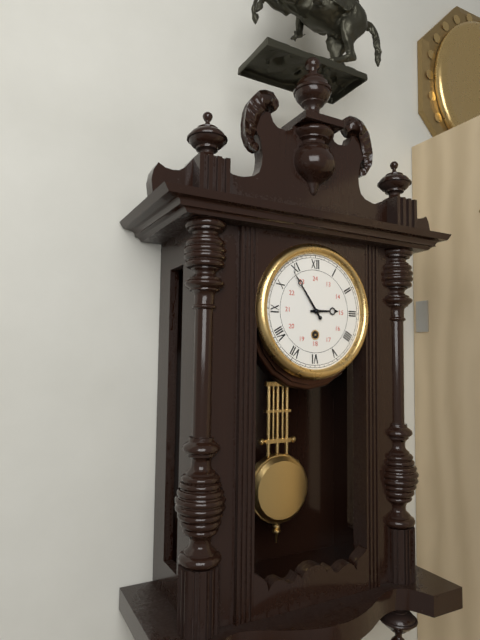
2:54
